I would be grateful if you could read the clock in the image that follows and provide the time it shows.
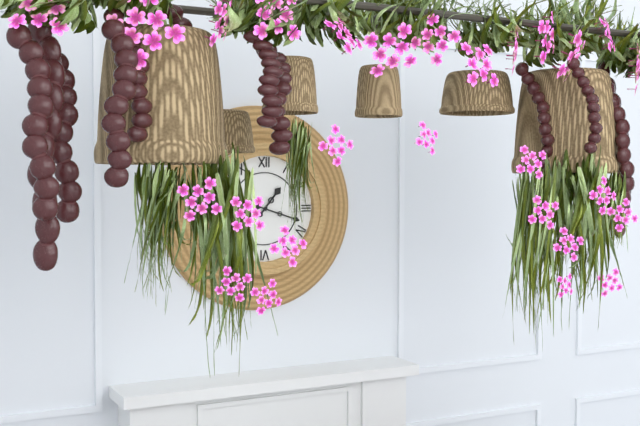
1:18
